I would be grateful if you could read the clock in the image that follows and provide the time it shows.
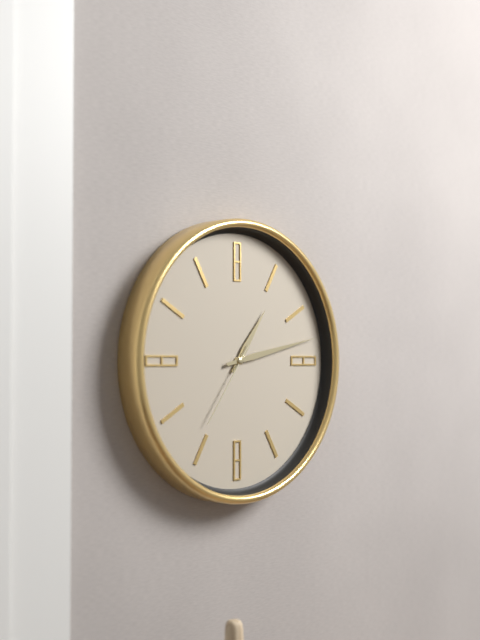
1:13:36
